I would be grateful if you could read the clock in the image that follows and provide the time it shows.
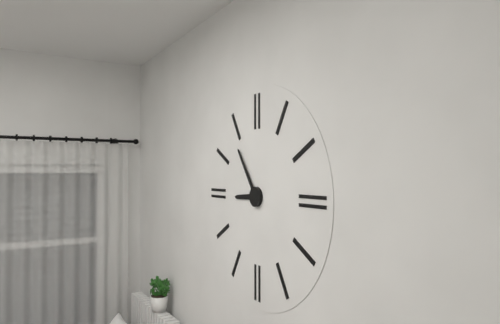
8:54
